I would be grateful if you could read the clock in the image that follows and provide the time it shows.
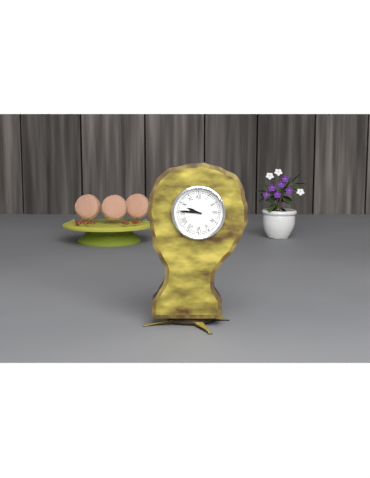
9:46
